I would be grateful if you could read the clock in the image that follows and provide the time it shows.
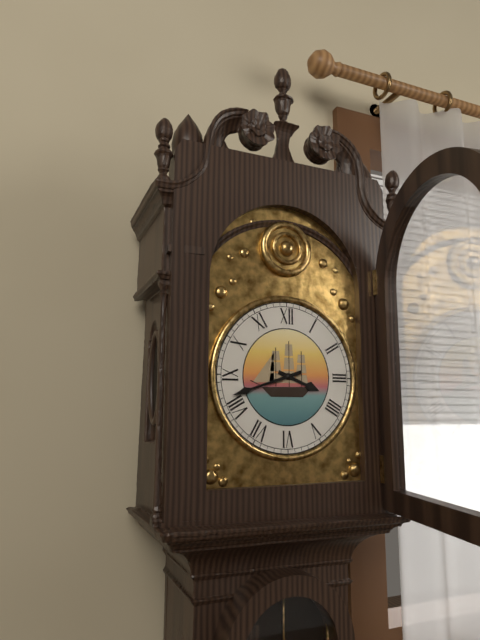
3:42
